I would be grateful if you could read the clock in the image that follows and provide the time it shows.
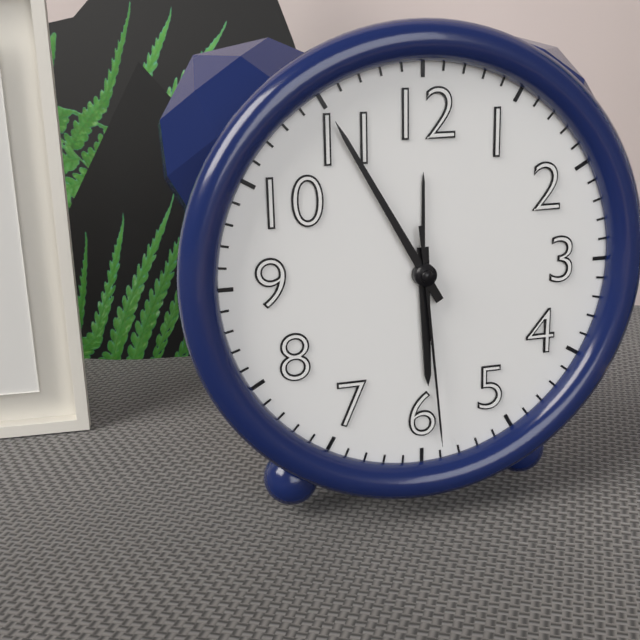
5:55:29
